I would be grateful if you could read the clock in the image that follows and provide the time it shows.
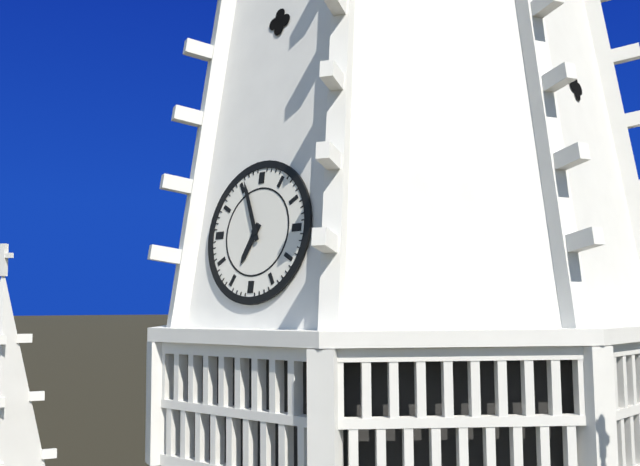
6:56
